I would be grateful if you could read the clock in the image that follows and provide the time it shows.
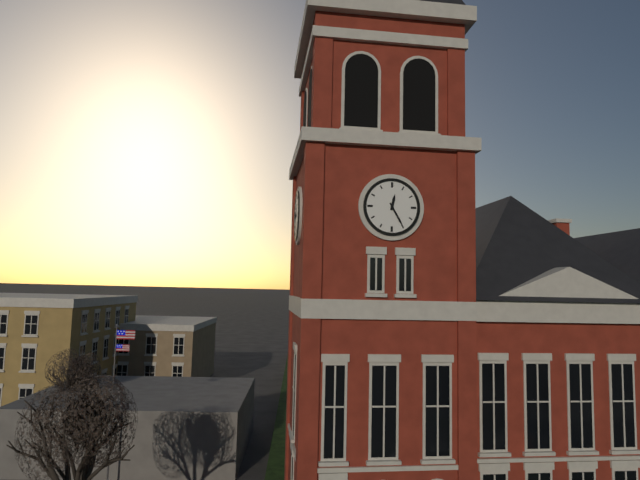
12:25
